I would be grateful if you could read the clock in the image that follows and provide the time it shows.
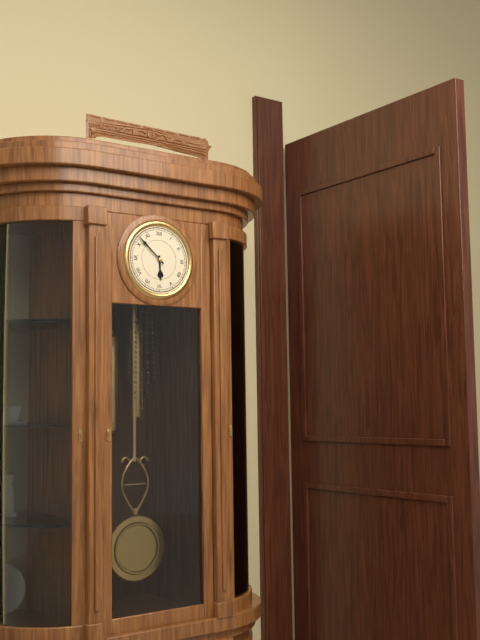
5:52
